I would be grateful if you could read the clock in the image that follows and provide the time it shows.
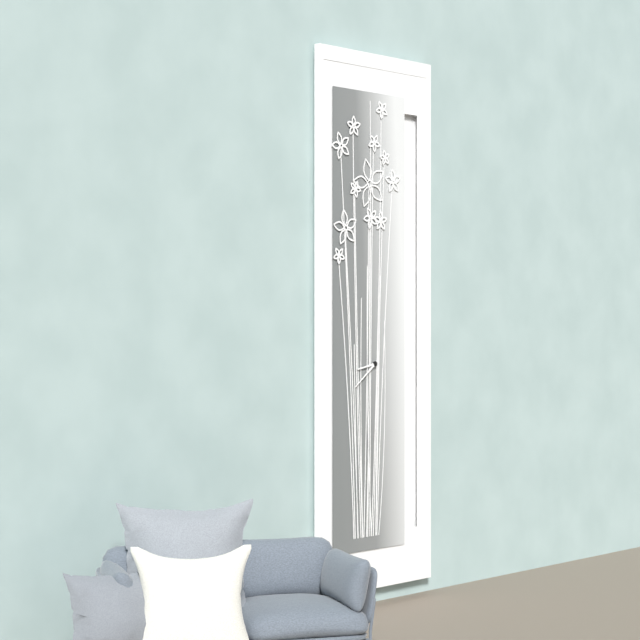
8:39
